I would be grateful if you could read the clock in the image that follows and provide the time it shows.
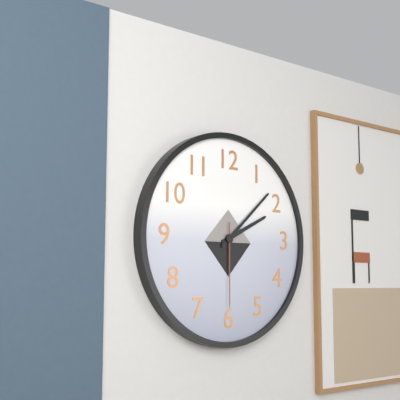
2:08:30
